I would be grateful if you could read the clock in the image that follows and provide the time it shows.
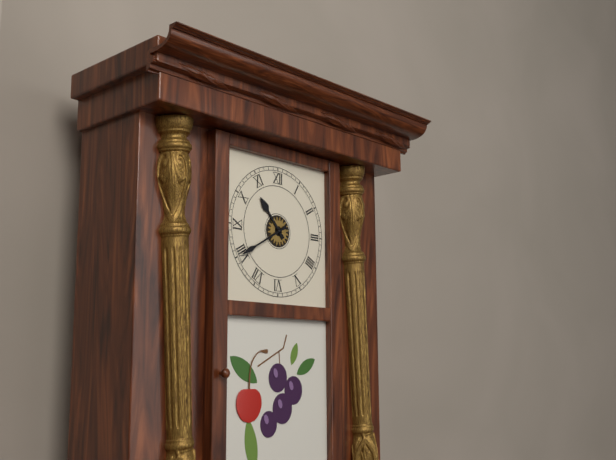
10:40
